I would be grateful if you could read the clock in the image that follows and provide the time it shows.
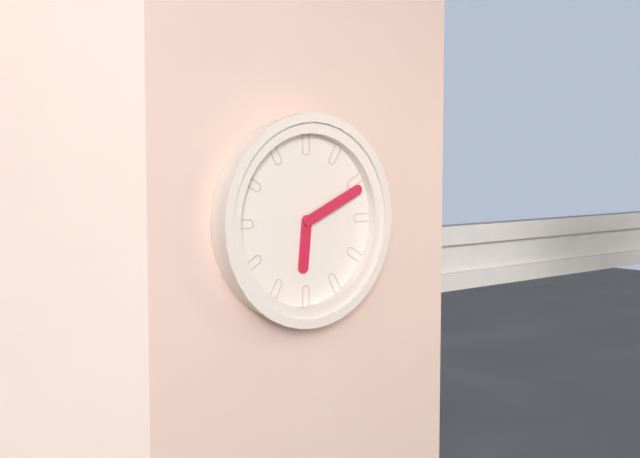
6:11
